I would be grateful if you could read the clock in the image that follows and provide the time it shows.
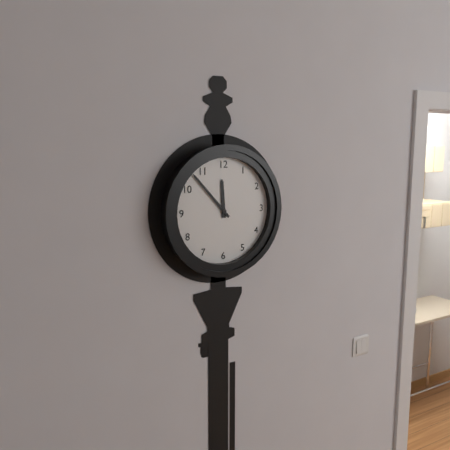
11:53
